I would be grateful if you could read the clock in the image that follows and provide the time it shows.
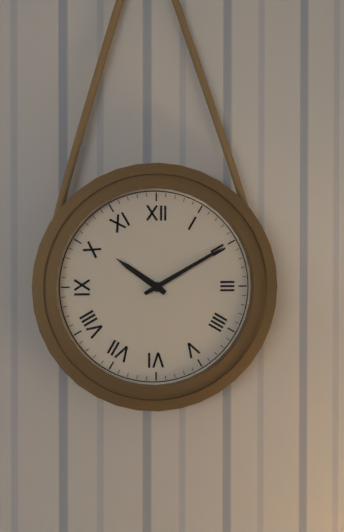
10:10
